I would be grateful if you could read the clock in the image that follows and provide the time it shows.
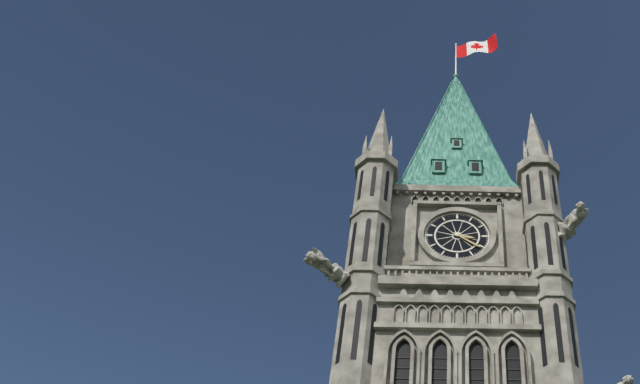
3:21
